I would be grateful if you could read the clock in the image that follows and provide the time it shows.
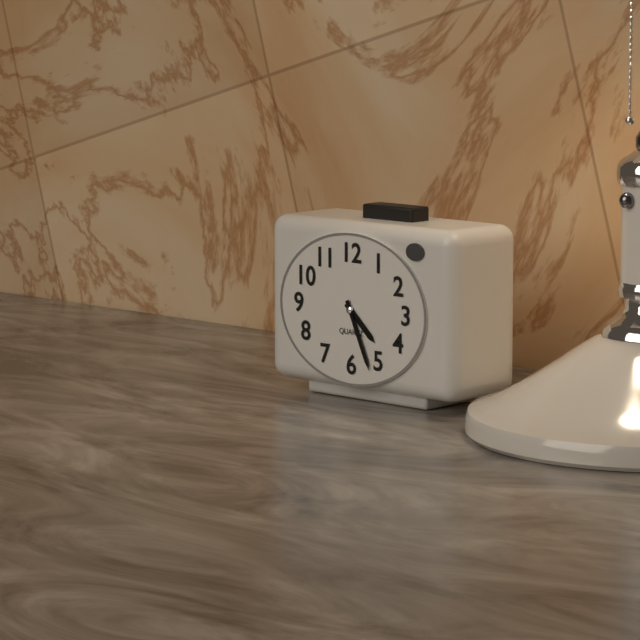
4:26
